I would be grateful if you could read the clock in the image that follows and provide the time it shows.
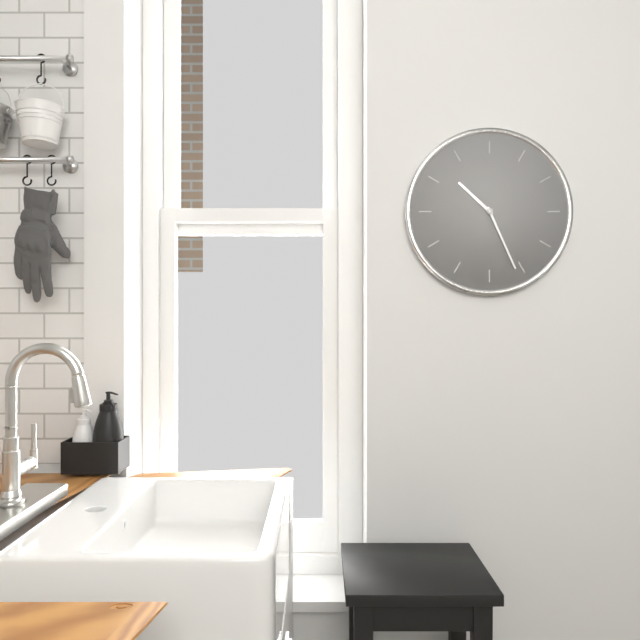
10:26
